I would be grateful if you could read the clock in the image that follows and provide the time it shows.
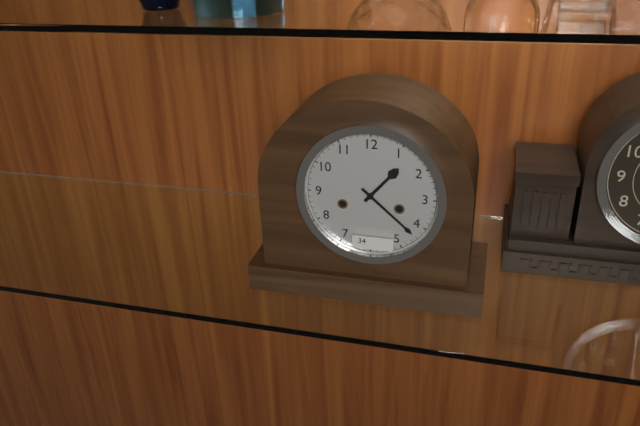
1:22
